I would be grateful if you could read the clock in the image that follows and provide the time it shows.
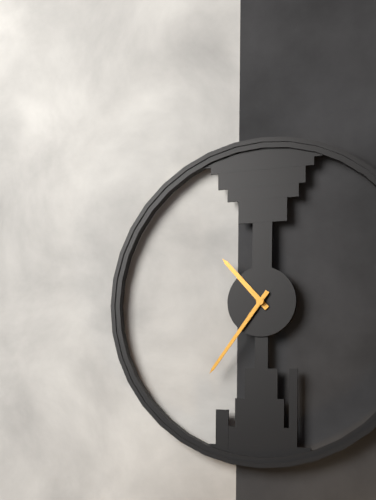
10:36
